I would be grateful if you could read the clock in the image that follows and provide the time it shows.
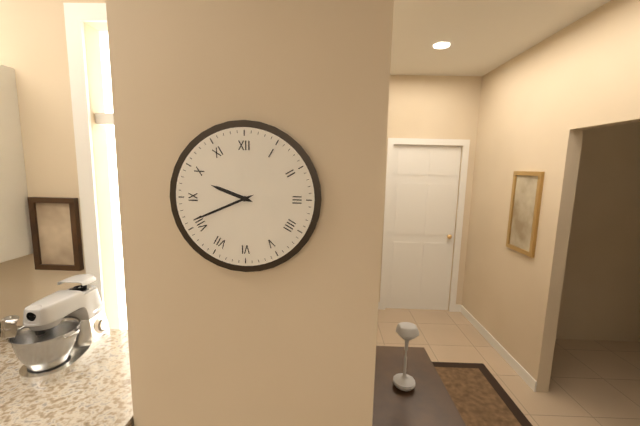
9:41
